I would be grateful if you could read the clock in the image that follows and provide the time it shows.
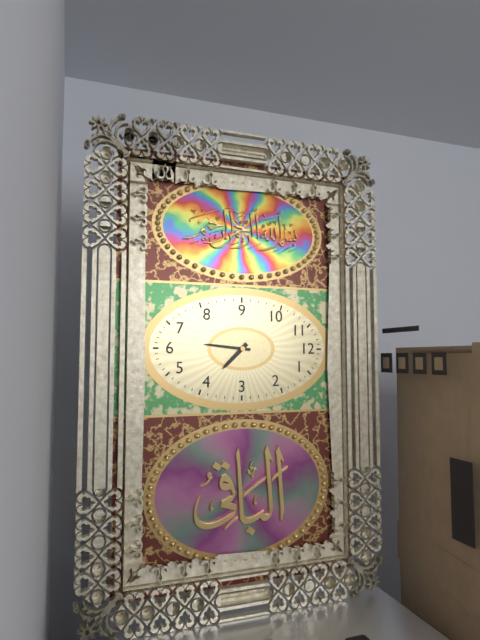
4:31
